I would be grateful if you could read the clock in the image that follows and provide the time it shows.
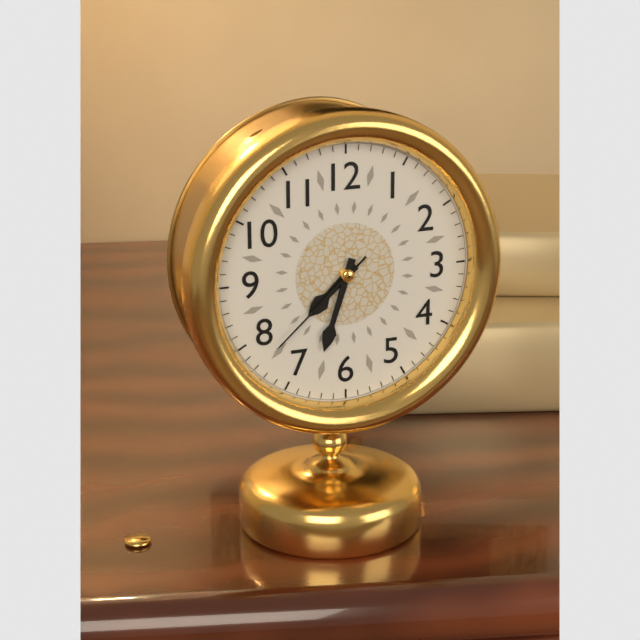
7:33:38
